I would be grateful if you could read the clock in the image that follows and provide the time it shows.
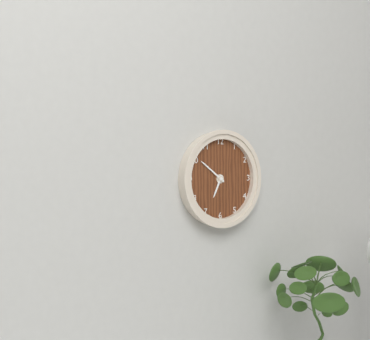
6:51
